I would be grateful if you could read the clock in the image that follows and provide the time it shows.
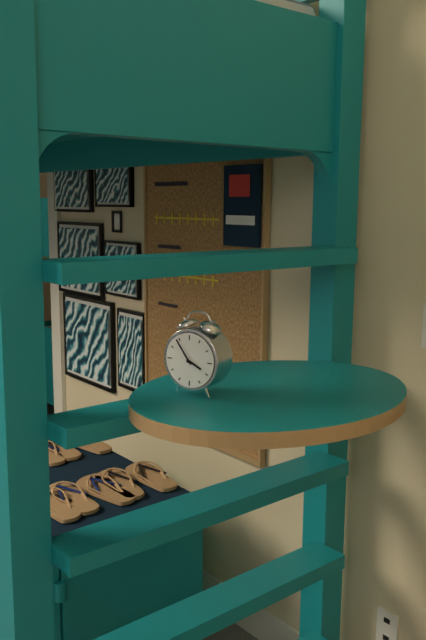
3:54
